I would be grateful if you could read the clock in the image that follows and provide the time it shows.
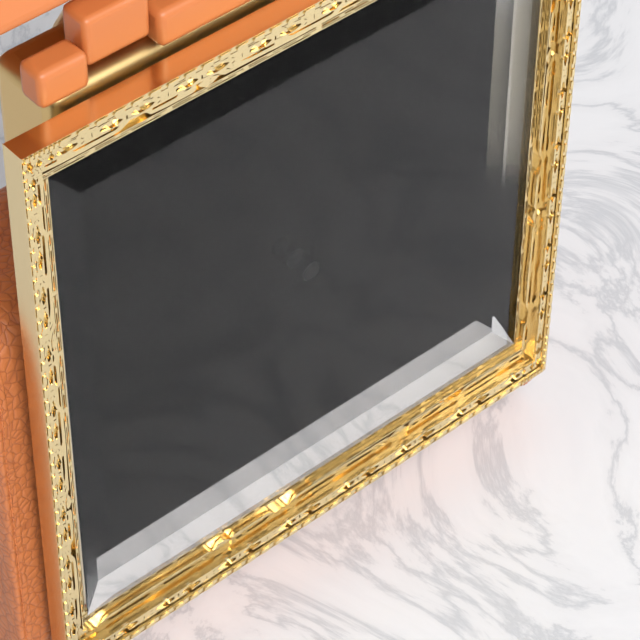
12:57
